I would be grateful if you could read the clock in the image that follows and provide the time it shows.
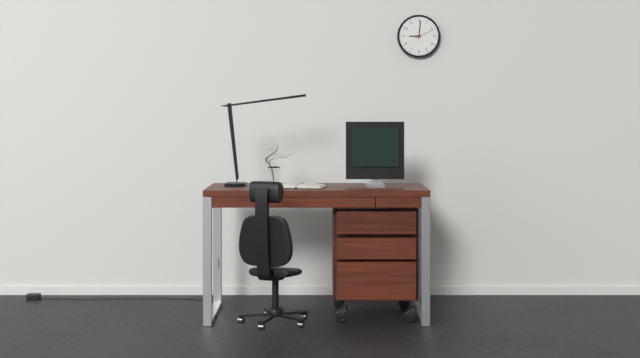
9:01
